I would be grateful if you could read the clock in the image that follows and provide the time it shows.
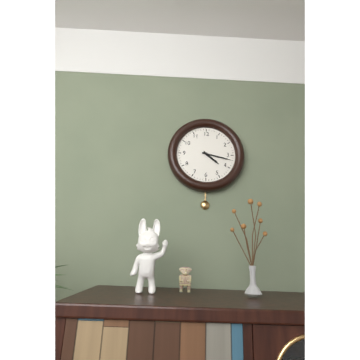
4:17
